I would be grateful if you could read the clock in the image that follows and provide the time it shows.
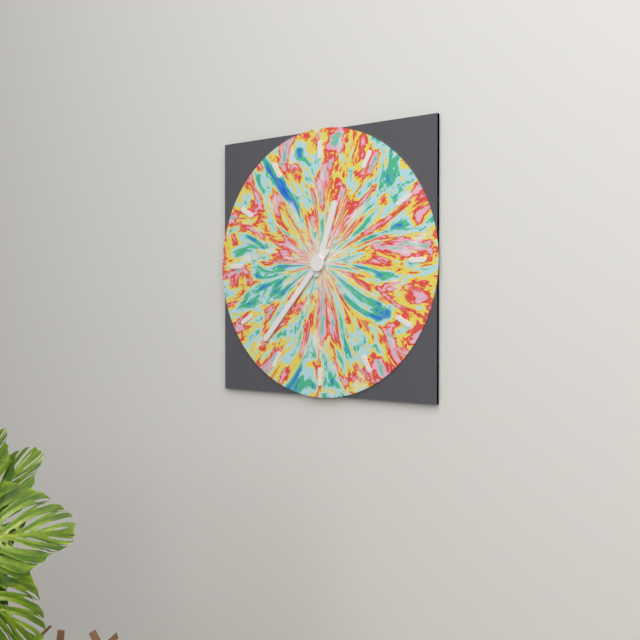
12:37
